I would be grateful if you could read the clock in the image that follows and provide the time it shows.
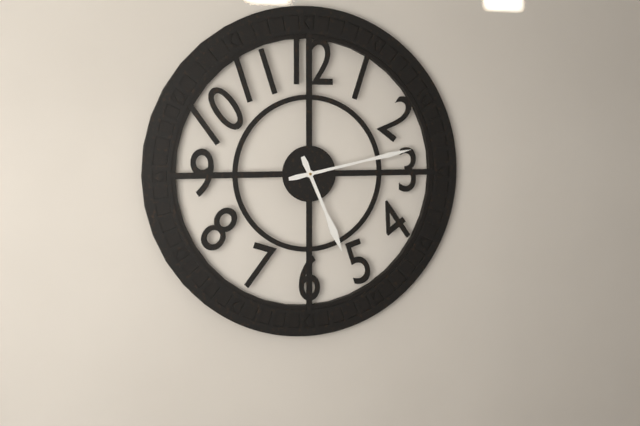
5:13
